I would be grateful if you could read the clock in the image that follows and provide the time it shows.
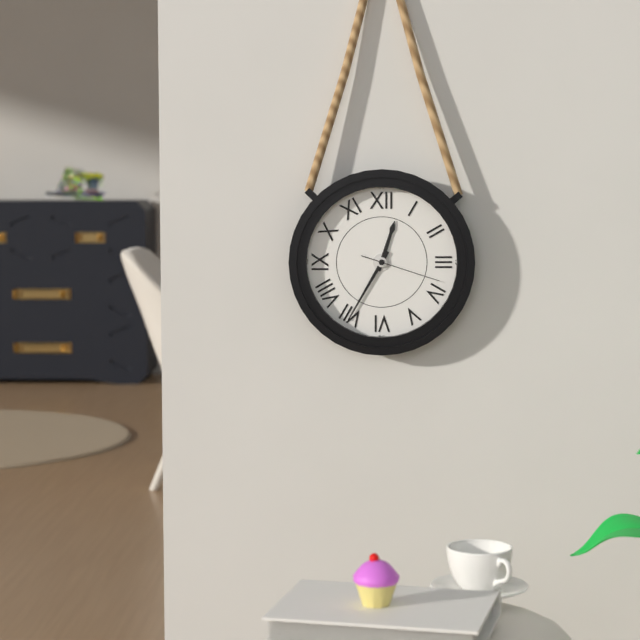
12:35:18
